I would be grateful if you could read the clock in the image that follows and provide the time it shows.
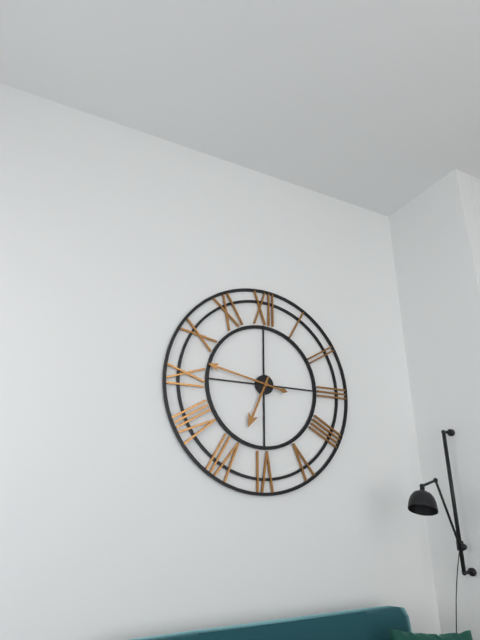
6:47
